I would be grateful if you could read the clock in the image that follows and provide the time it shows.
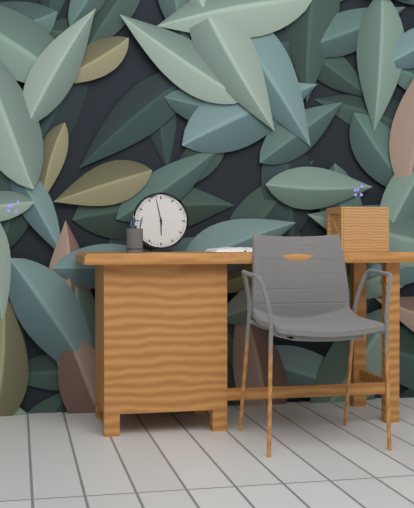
5:58
